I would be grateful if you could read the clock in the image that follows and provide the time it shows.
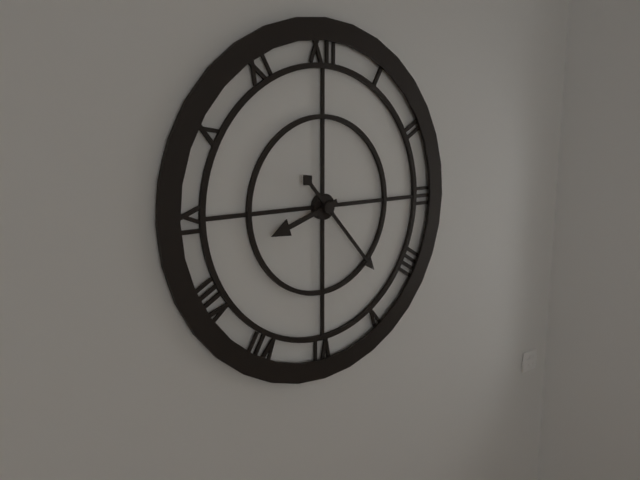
8:23
